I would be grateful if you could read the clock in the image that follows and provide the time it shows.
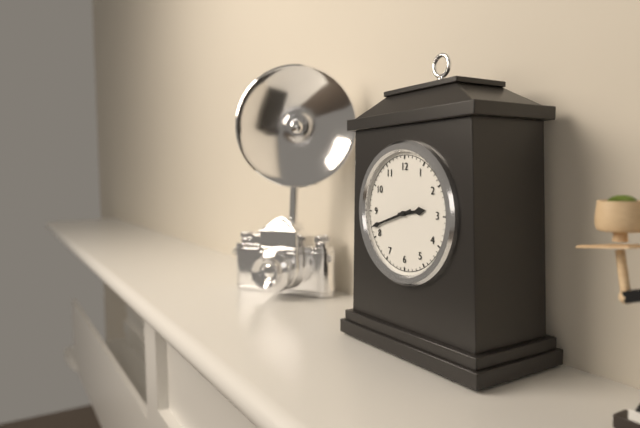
2:42
